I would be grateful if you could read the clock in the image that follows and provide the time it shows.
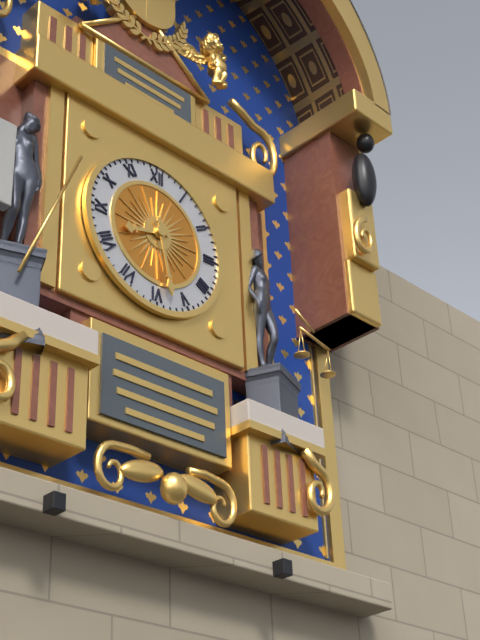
8:28
